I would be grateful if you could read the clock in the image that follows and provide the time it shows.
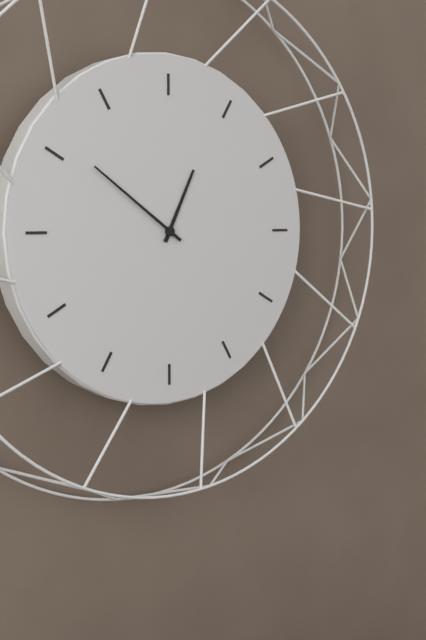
12:51
